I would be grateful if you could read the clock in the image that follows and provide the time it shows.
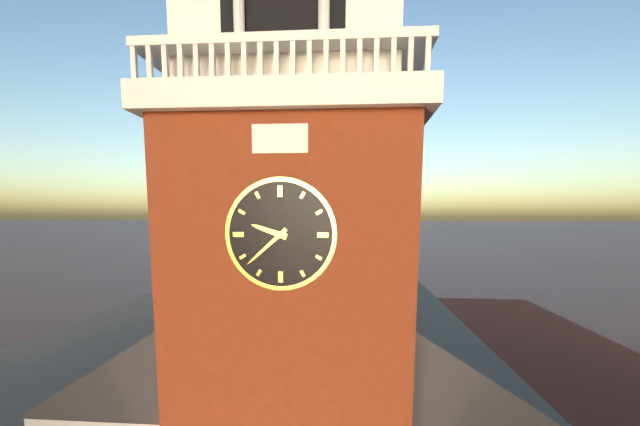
9:38
